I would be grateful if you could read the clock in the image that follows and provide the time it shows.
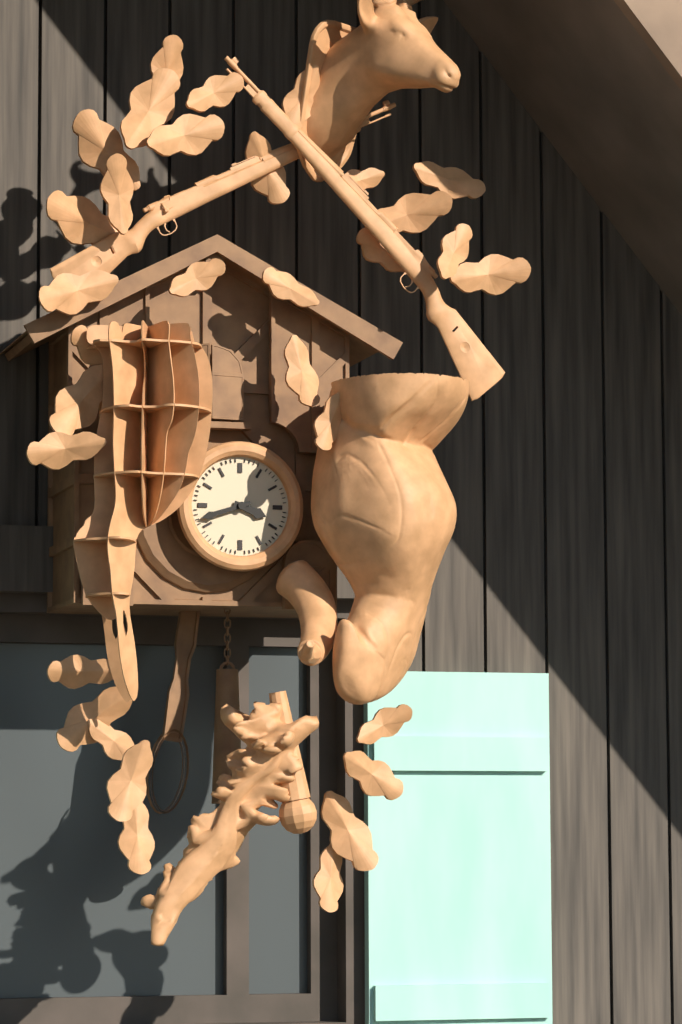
3:42
